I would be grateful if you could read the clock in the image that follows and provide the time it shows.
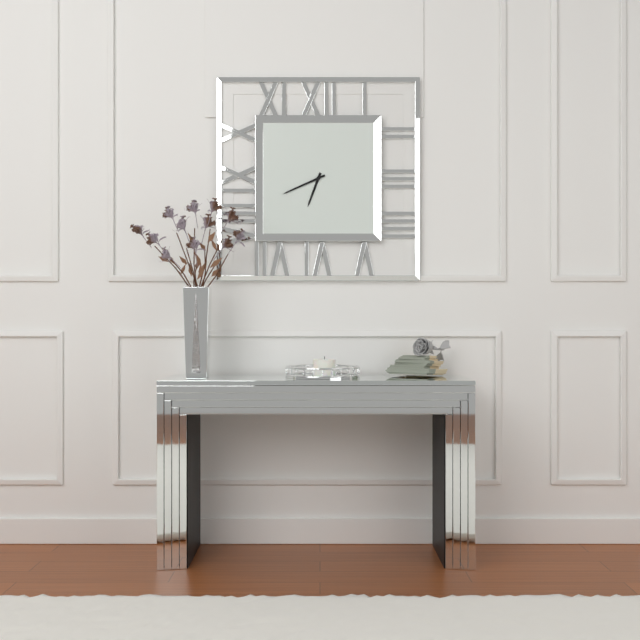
6:41
